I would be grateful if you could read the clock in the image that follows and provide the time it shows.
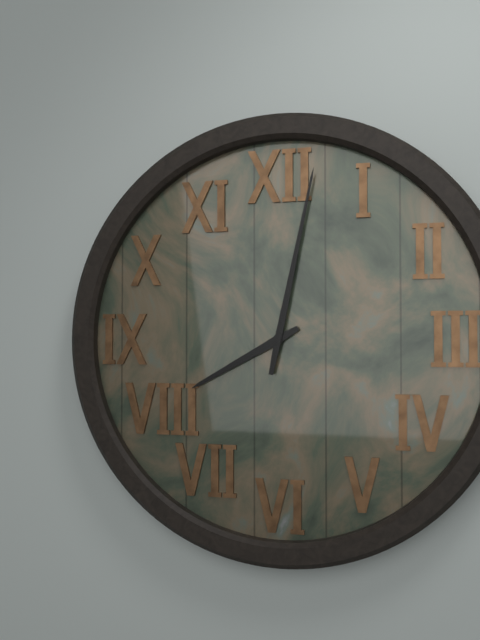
8:02
